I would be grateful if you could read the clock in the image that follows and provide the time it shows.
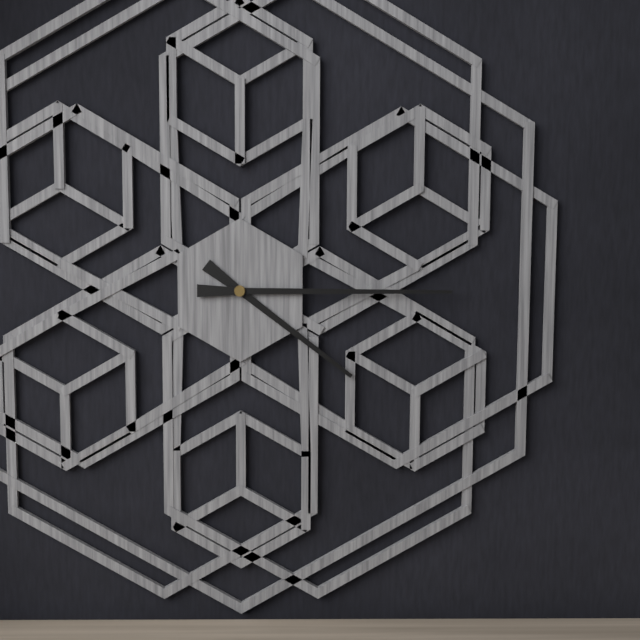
4:15
